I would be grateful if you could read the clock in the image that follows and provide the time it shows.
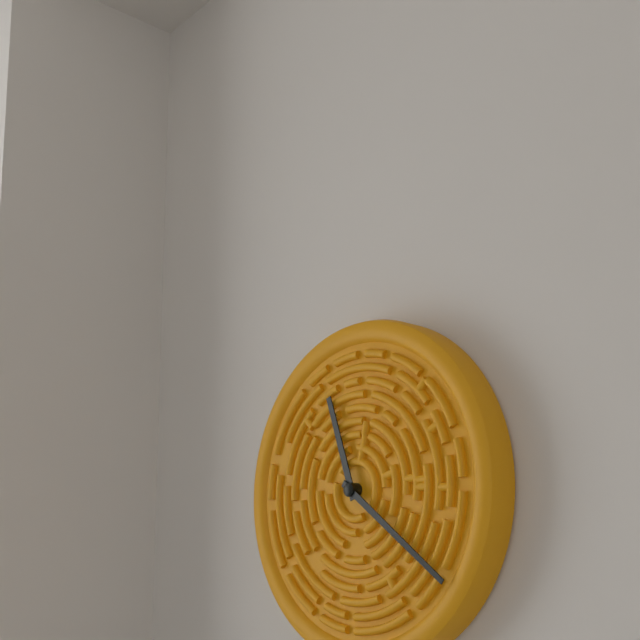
11:21
